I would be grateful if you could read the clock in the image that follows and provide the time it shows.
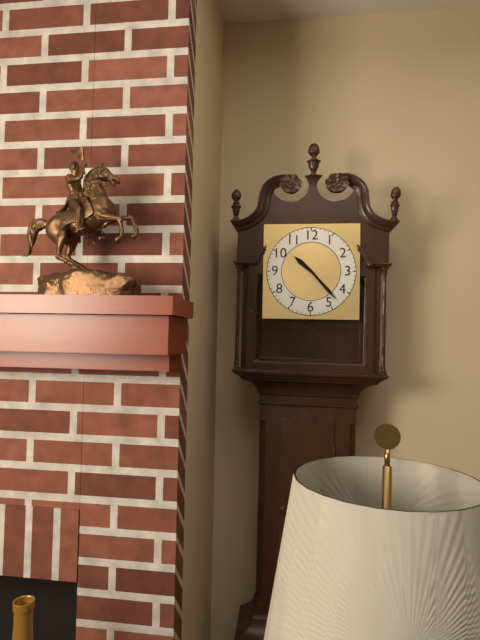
10:23
